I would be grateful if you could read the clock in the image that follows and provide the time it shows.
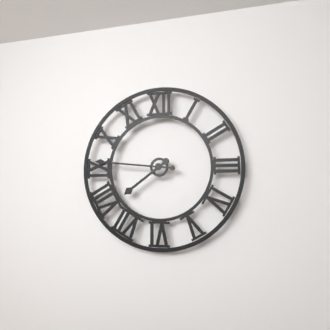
7:46
